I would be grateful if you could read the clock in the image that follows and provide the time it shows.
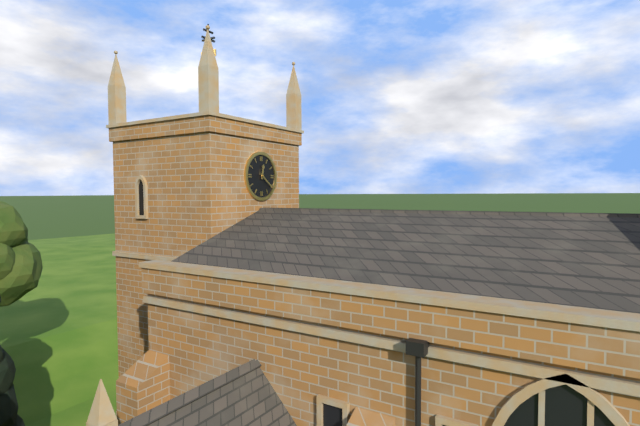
12:21
